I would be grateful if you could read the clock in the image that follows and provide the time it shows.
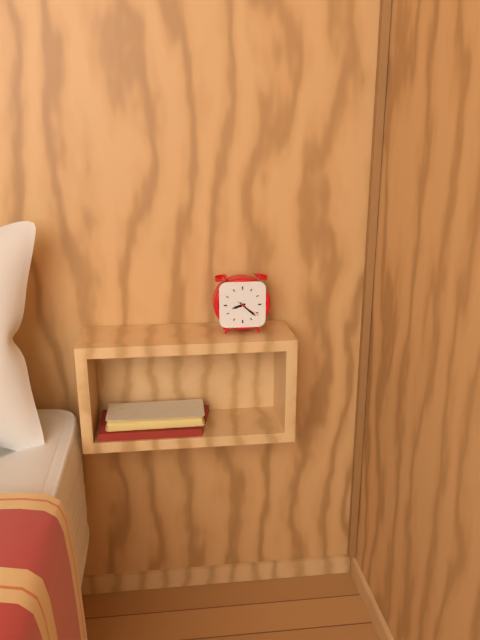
8:22
